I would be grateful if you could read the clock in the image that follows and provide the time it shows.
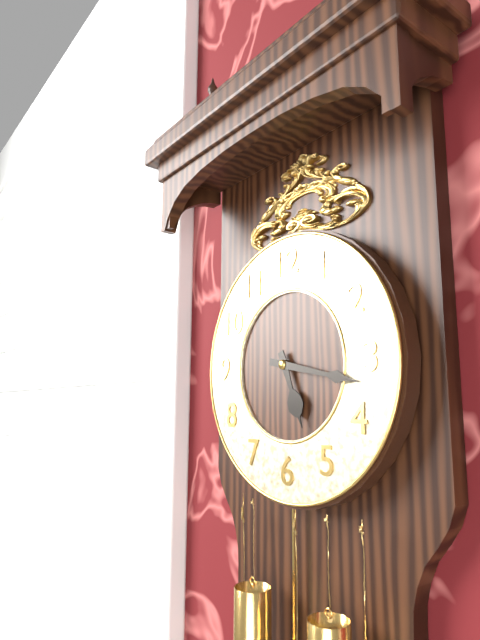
5:17
